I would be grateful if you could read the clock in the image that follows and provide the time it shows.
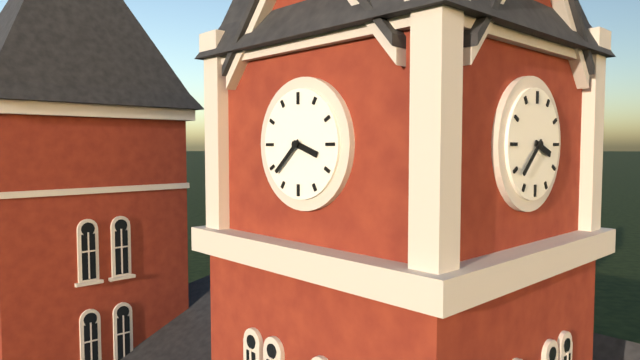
3:38
